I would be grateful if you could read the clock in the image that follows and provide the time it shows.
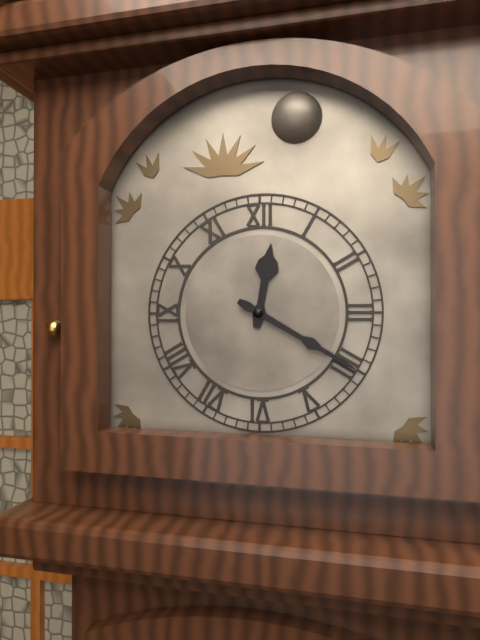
12:20
